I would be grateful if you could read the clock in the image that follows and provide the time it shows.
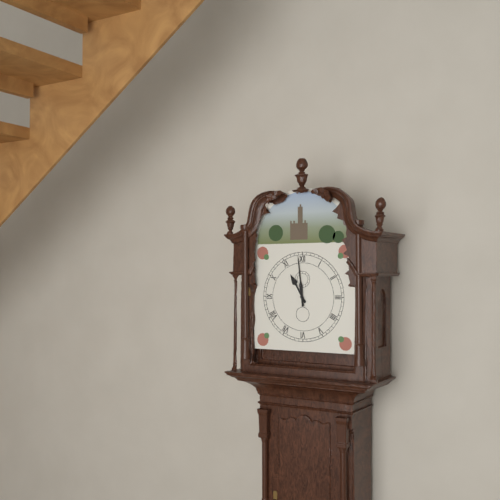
10:59
